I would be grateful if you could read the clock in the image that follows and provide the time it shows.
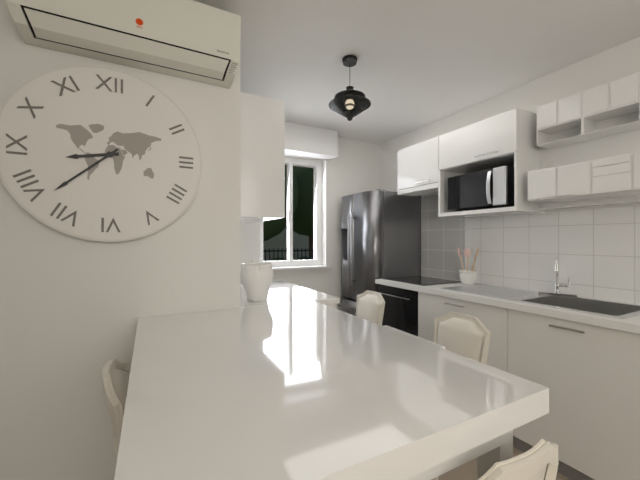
8:38
